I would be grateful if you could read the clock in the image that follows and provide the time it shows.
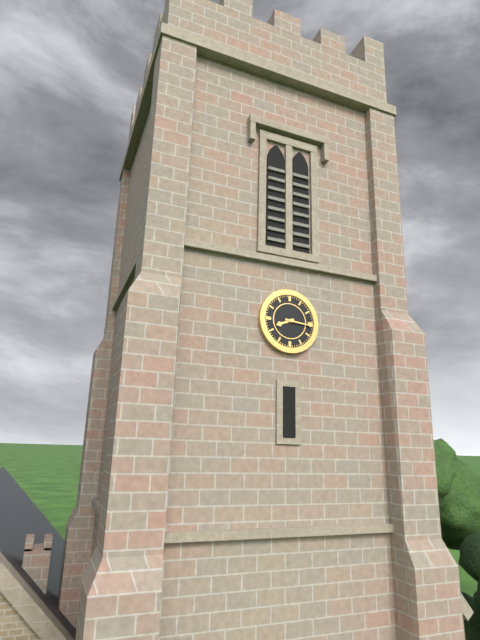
8:16
